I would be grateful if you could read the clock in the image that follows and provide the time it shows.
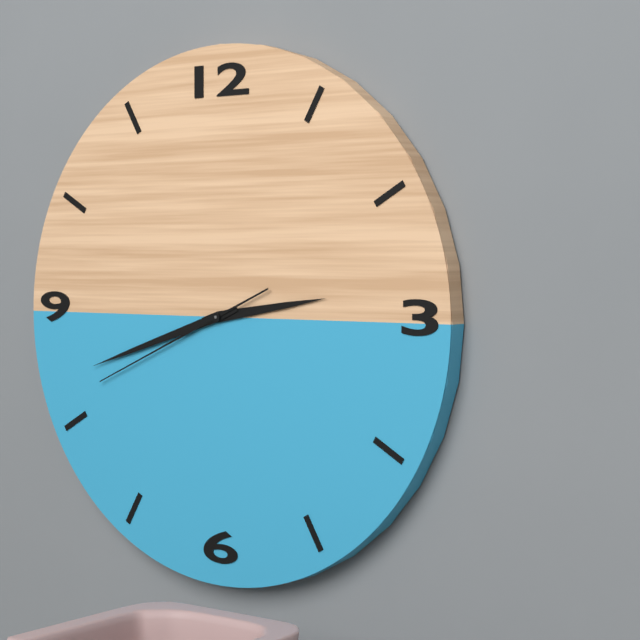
2:42:41
